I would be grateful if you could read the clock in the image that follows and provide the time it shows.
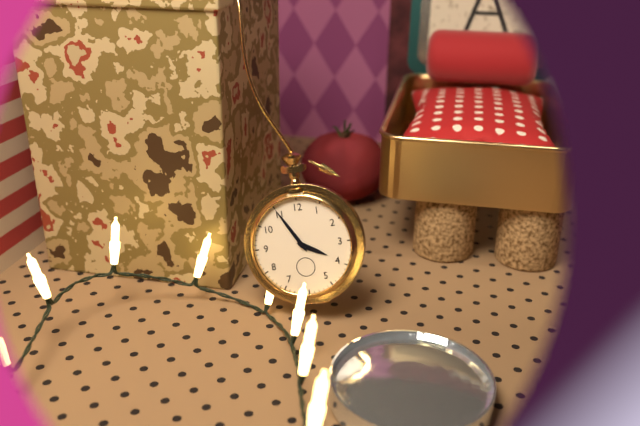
3:55
